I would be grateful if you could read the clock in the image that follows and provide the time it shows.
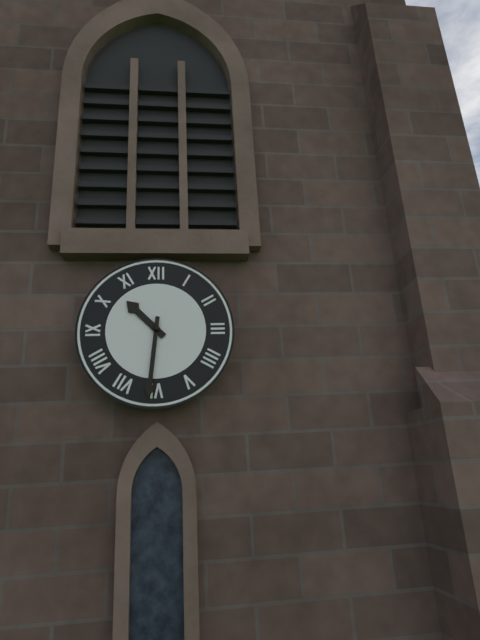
10:31
